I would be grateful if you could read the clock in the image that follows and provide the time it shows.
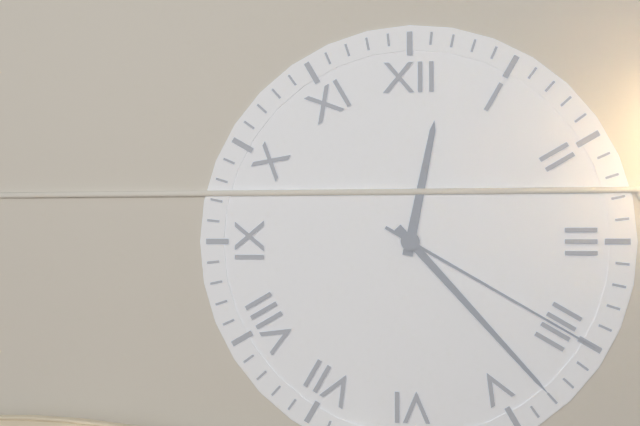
12:23:20
